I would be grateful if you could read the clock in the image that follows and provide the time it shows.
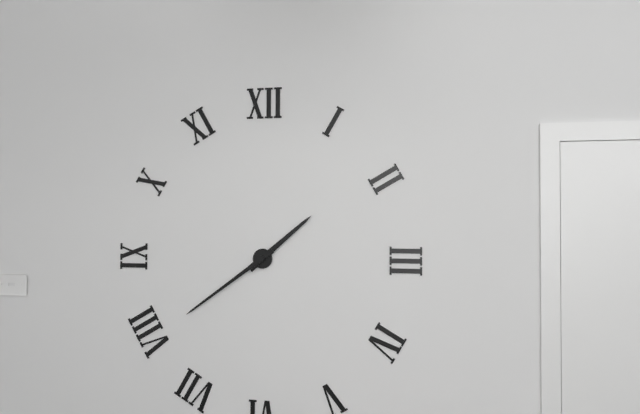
1:39
